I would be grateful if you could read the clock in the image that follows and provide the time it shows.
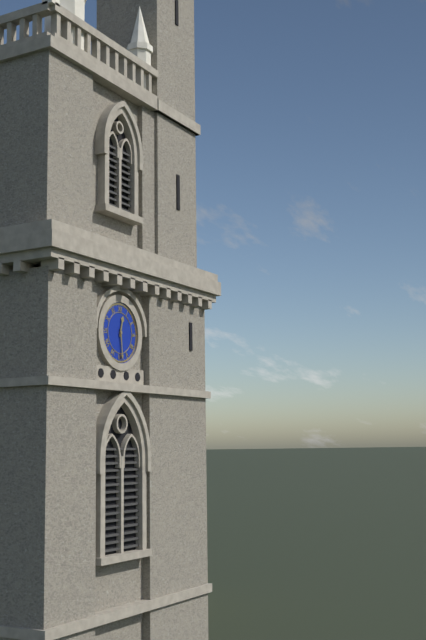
12:29
